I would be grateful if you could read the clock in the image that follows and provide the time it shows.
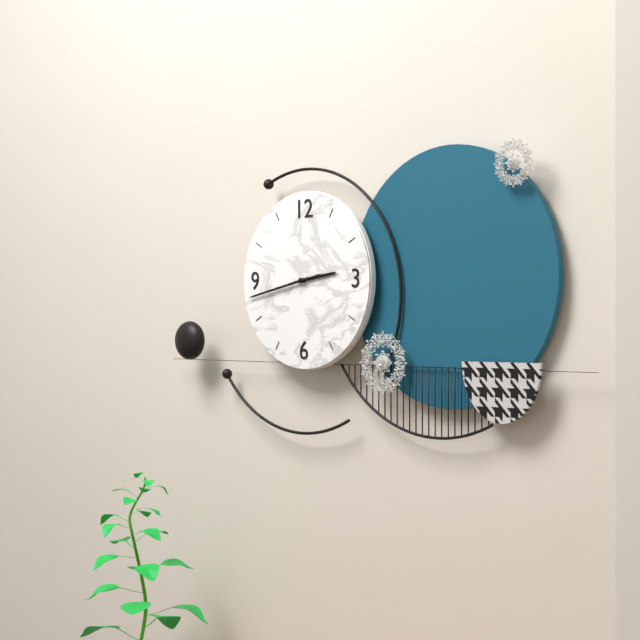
2:43:43
